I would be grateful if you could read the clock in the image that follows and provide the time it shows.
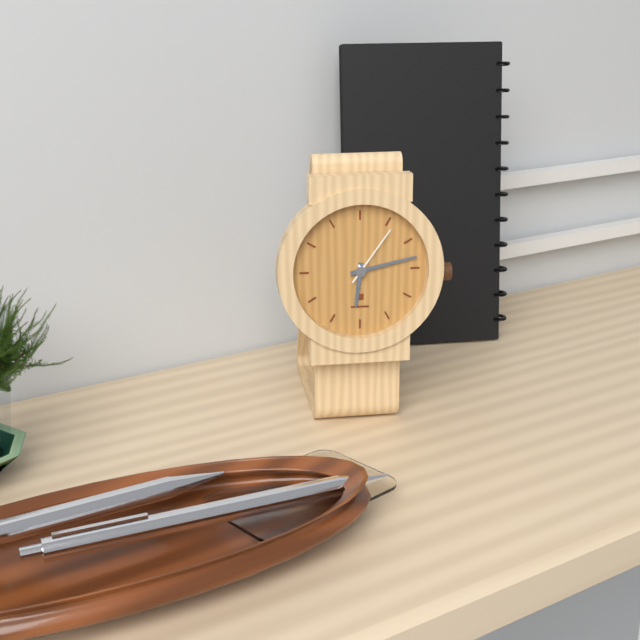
6:13:06
